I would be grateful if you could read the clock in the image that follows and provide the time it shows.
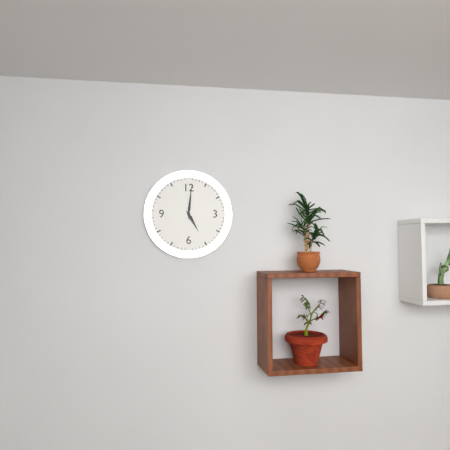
5:01
